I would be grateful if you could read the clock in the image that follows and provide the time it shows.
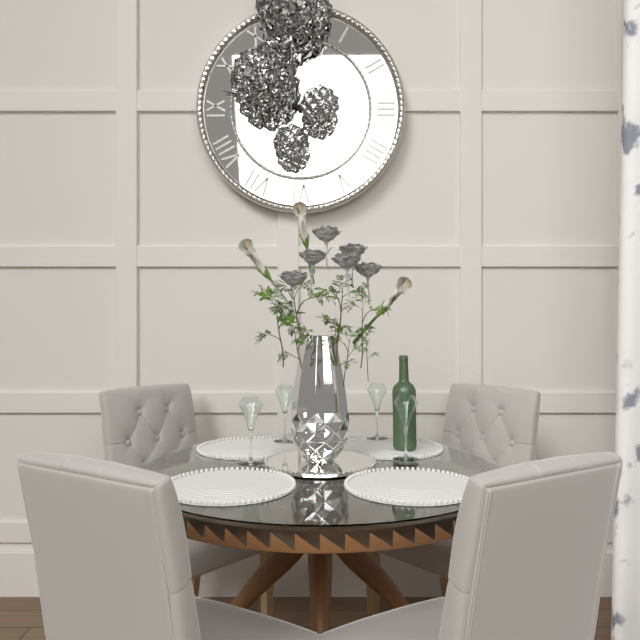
9:47
